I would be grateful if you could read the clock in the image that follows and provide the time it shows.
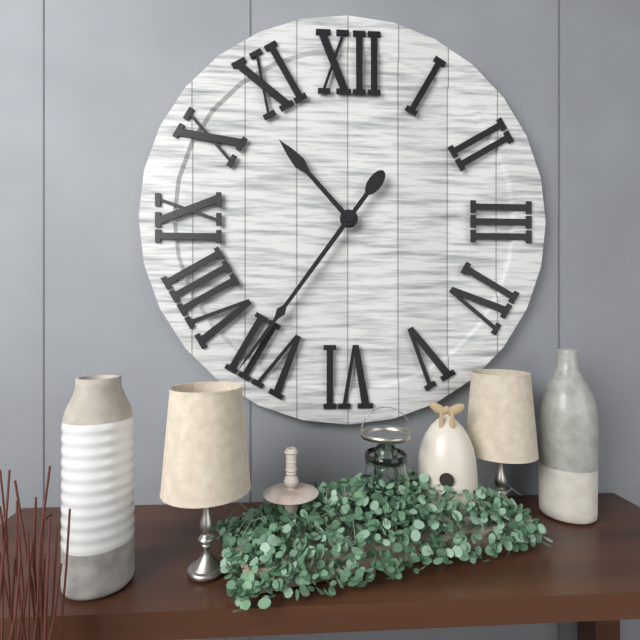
10:36
